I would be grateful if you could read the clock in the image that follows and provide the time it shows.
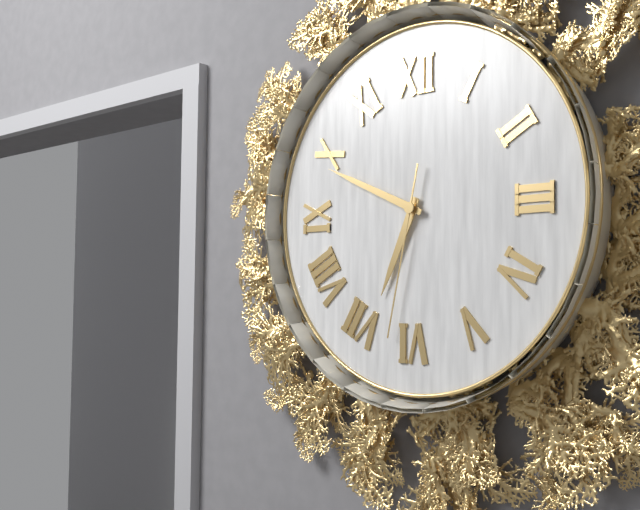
6:49:32
